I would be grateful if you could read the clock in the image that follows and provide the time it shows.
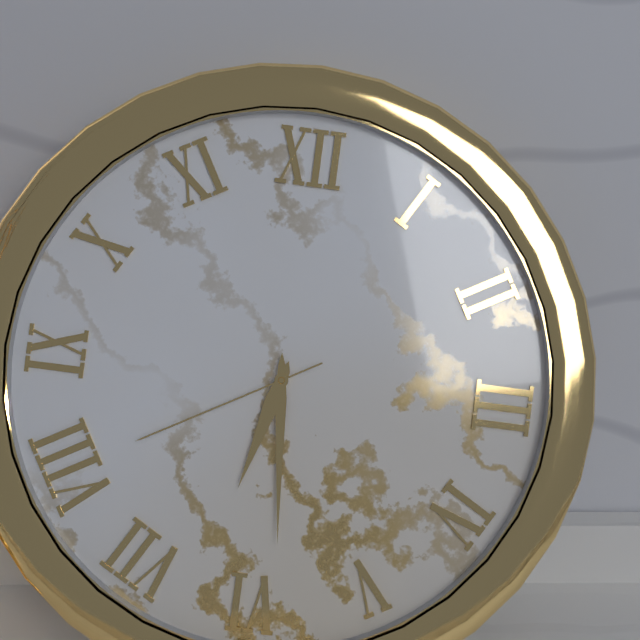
6:29:40
